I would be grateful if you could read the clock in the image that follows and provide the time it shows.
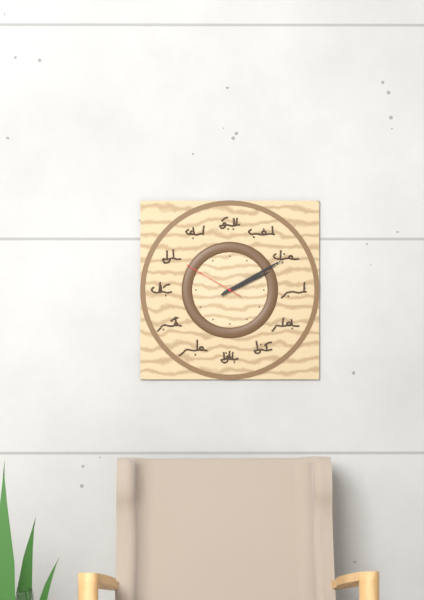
2:10:50
